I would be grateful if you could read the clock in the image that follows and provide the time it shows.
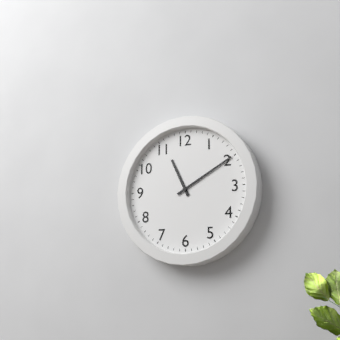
11:10
